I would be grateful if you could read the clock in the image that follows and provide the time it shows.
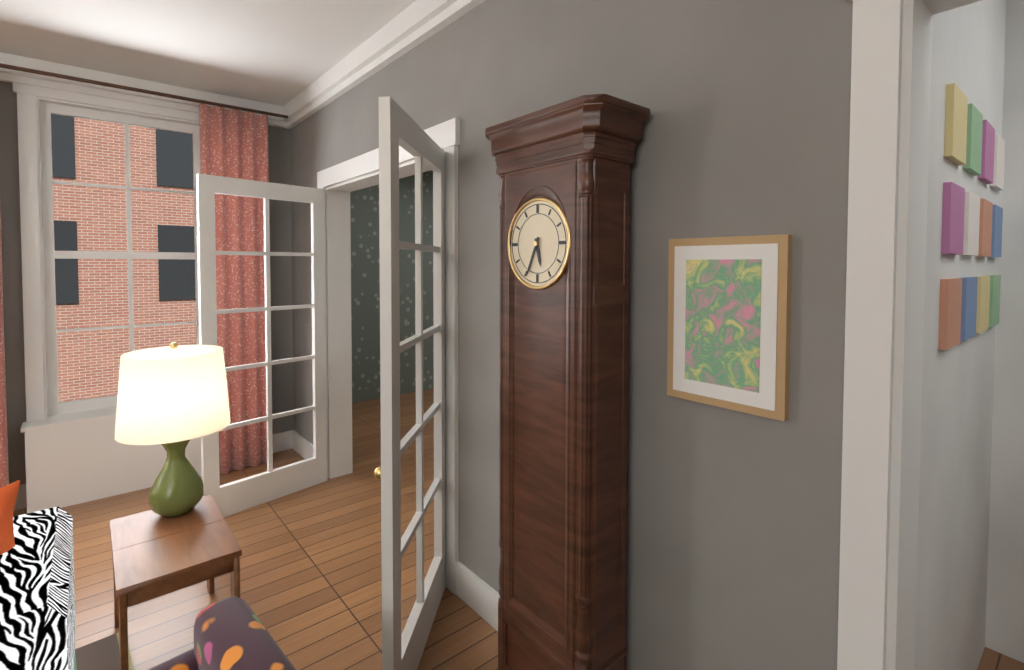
5:34
